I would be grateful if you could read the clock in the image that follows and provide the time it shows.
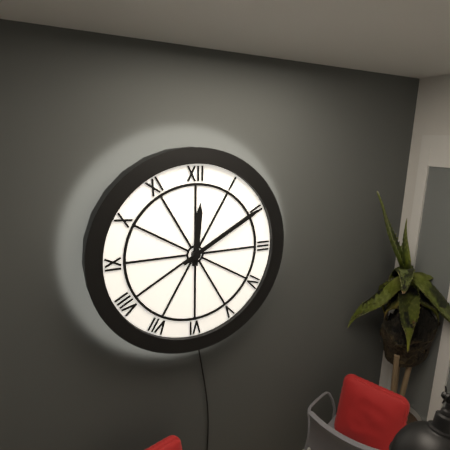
12:10
